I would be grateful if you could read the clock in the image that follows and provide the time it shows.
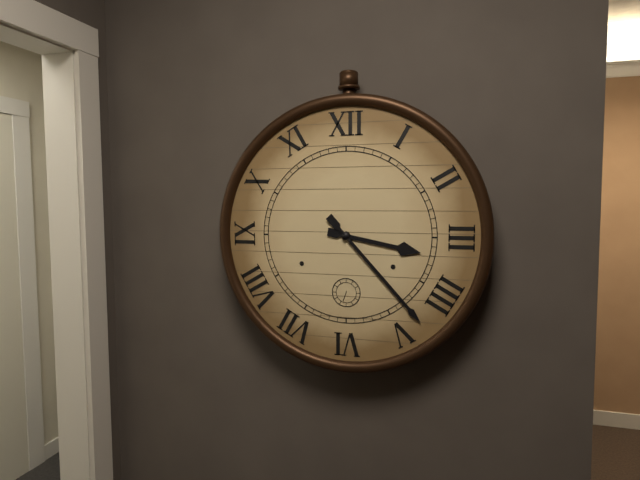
3:23
